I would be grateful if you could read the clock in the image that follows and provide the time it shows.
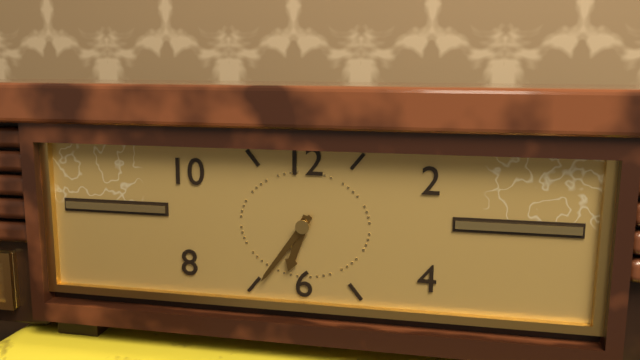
6:36
